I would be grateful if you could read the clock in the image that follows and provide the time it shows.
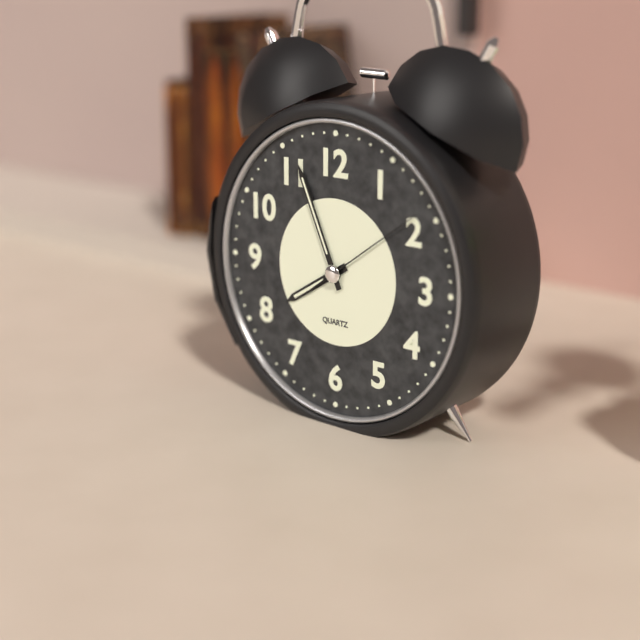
7:56:09
